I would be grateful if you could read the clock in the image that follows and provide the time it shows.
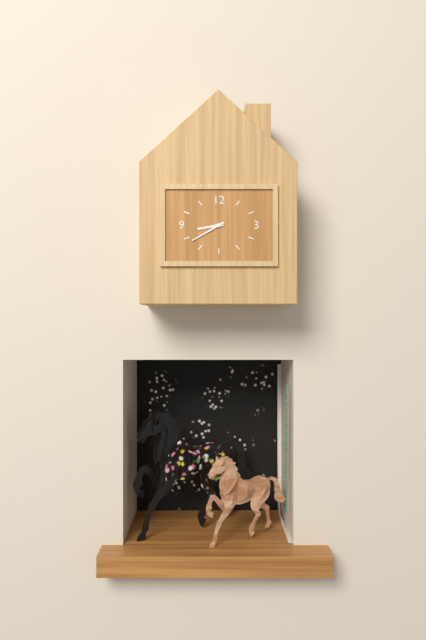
8:40
